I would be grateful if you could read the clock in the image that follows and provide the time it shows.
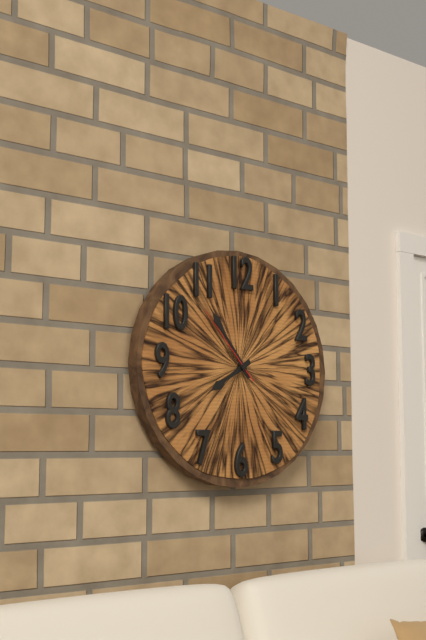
7:54:53
